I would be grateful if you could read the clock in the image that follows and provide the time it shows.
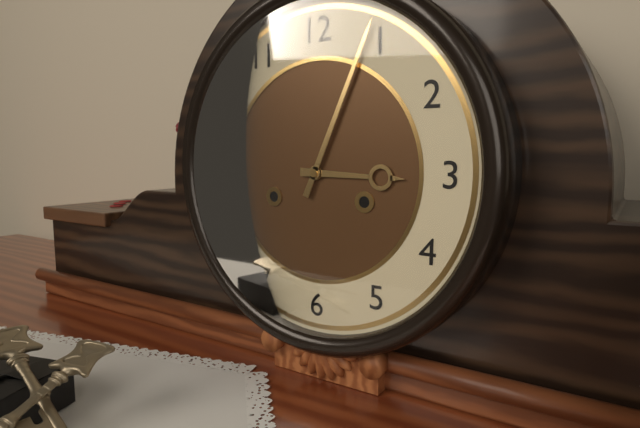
3:04
